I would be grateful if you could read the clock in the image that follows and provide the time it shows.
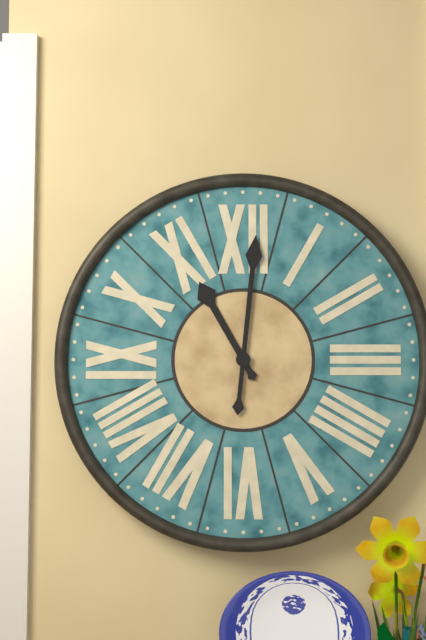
11:01
